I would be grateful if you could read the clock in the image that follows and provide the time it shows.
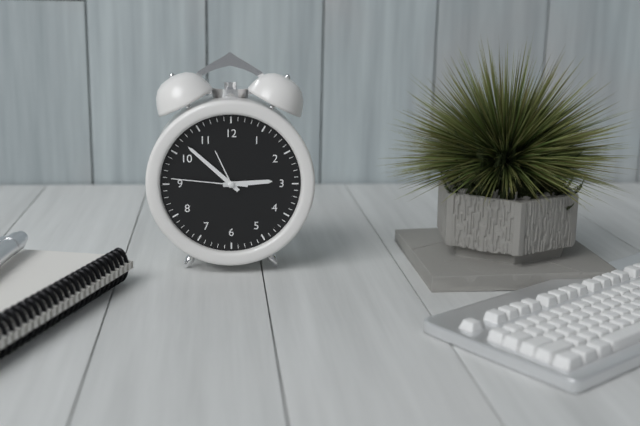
2:52:46
